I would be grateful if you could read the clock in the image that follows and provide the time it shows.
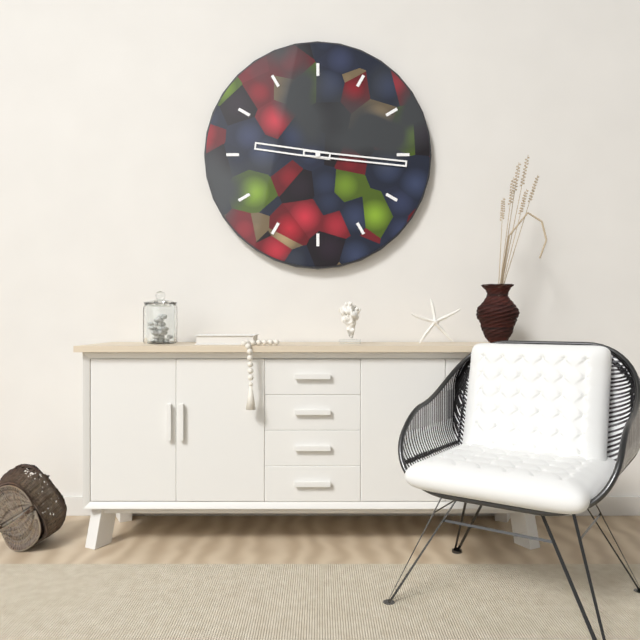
9:16
